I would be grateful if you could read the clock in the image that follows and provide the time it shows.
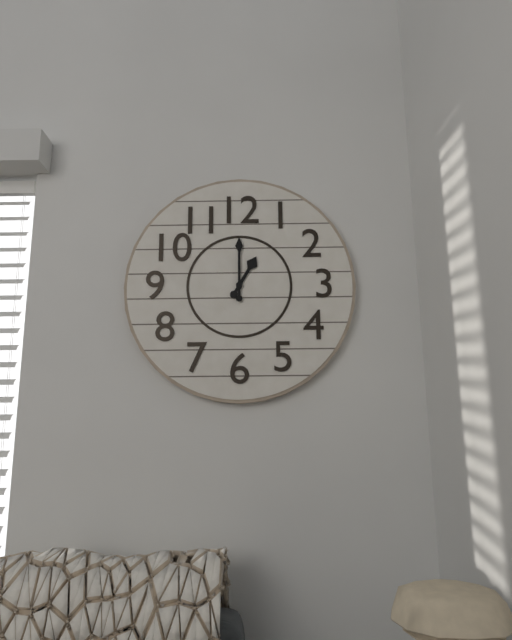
1:00
